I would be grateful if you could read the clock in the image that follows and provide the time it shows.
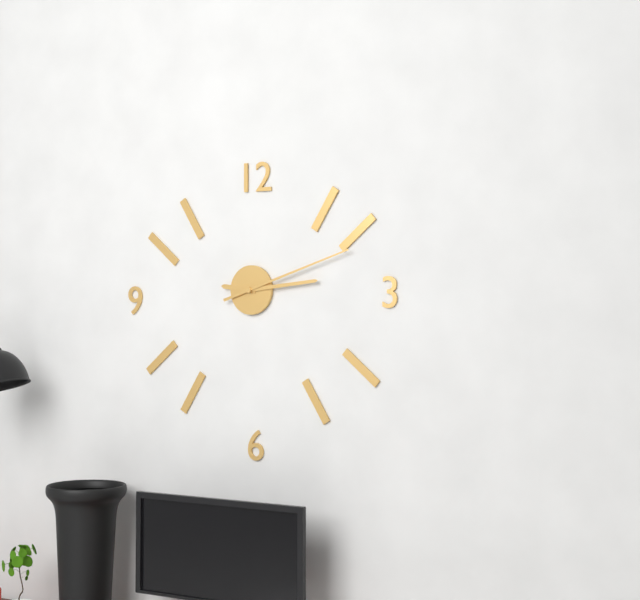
9:14:12
